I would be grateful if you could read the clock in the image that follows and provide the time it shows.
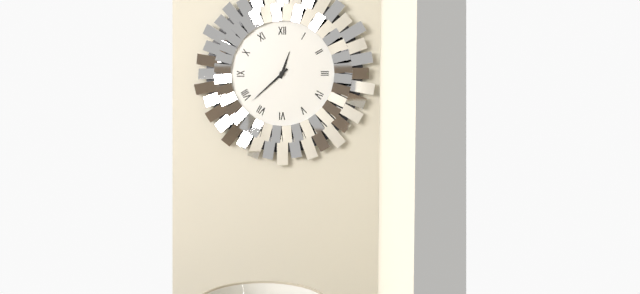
12:38
